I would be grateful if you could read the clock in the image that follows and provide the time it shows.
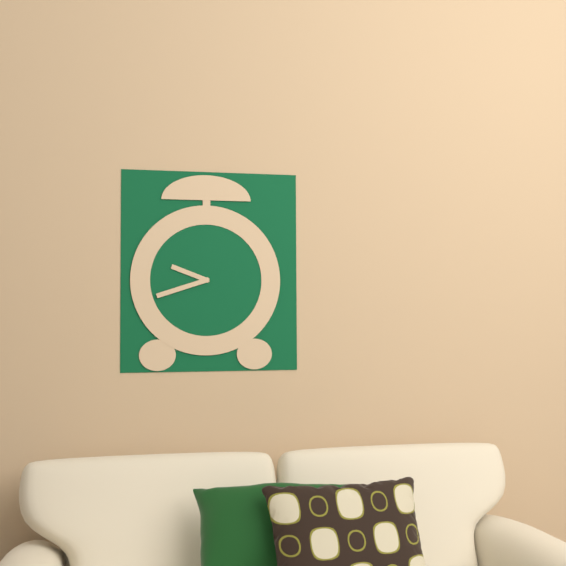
9:42
